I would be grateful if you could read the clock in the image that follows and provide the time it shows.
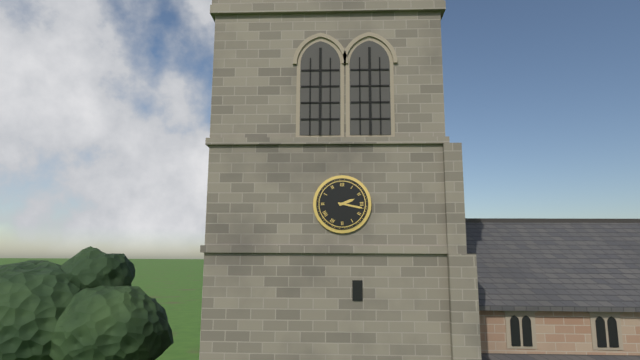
2:17
